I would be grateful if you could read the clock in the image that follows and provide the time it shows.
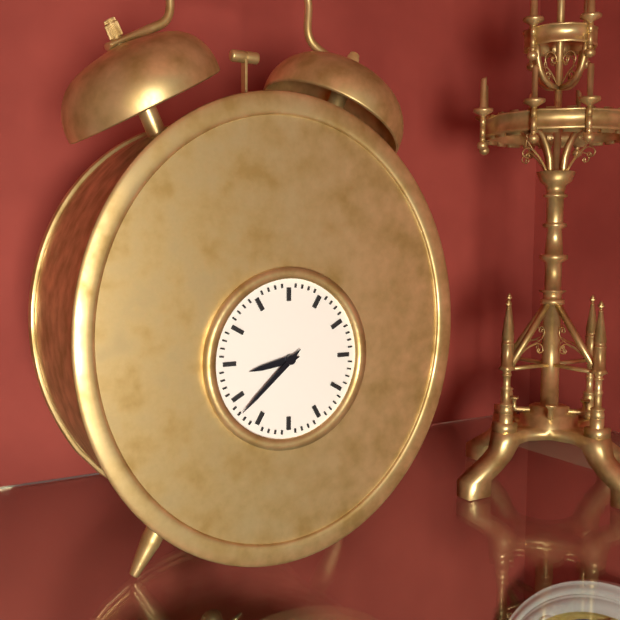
8:38
